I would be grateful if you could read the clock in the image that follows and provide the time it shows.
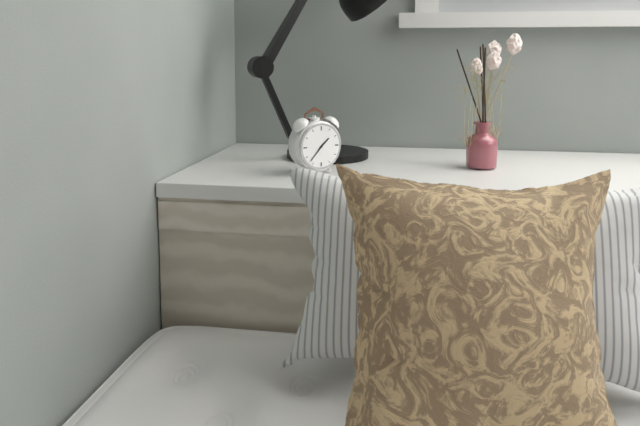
1:37
